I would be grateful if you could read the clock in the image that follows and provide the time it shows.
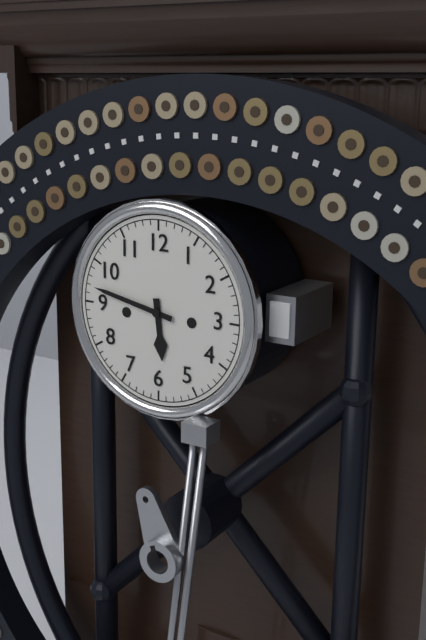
5:47
